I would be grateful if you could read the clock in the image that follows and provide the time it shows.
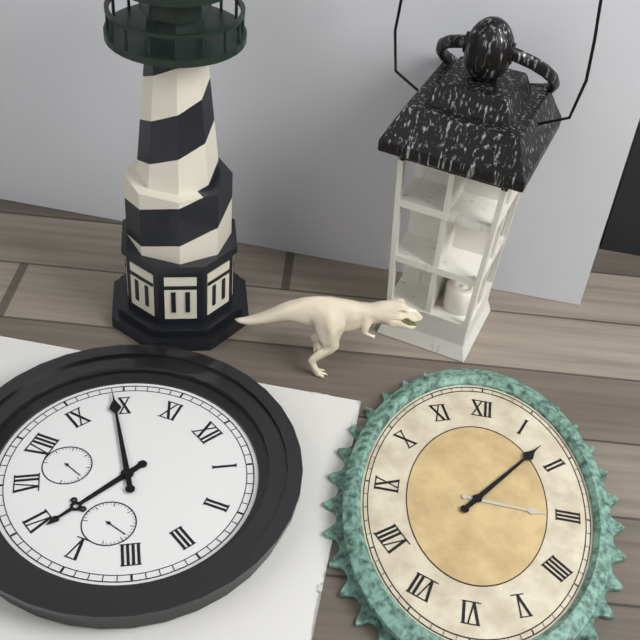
5:49
